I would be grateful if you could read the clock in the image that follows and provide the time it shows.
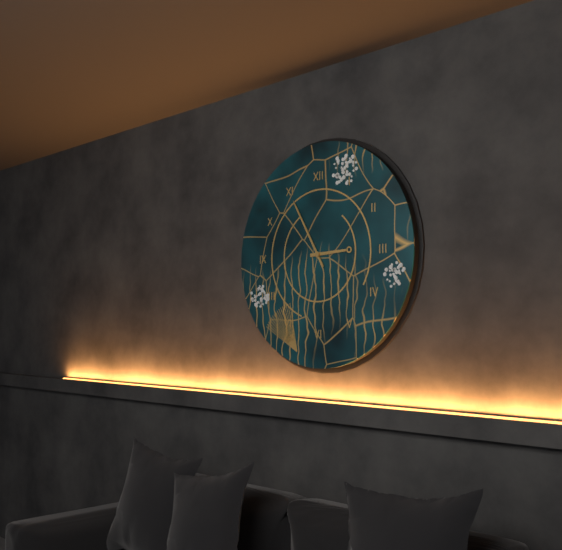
2:55
